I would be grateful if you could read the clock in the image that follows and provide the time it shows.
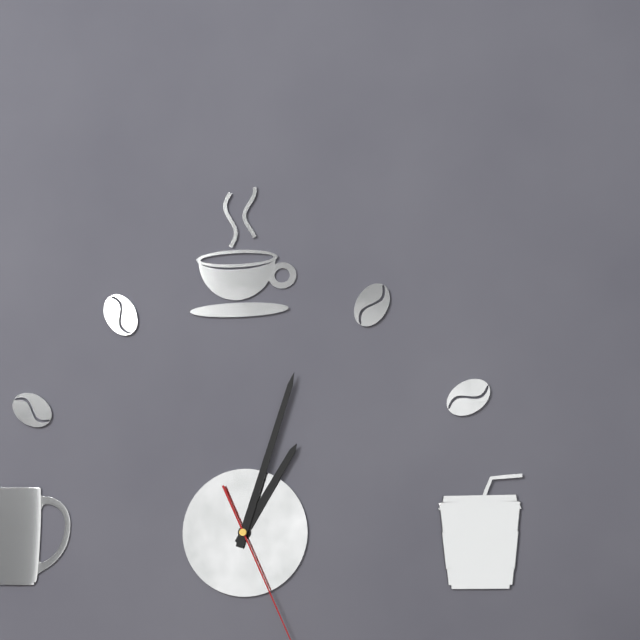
1:03
